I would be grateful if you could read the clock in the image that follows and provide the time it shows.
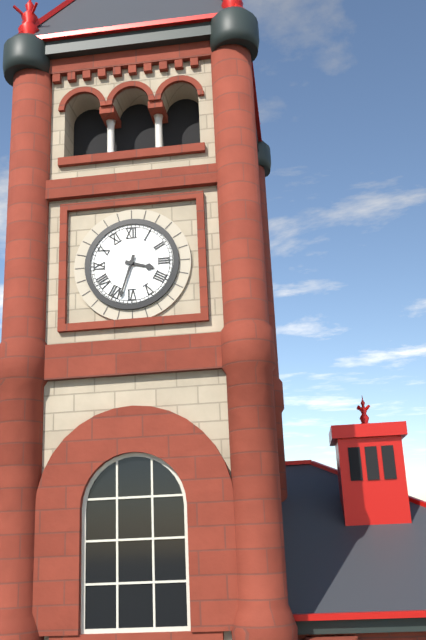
3:33
